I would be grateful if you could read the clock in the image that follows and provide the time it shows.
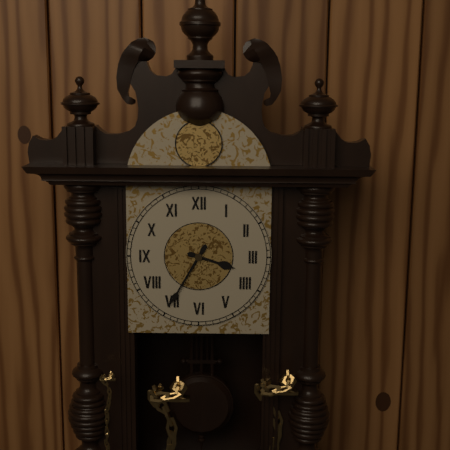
3:35
